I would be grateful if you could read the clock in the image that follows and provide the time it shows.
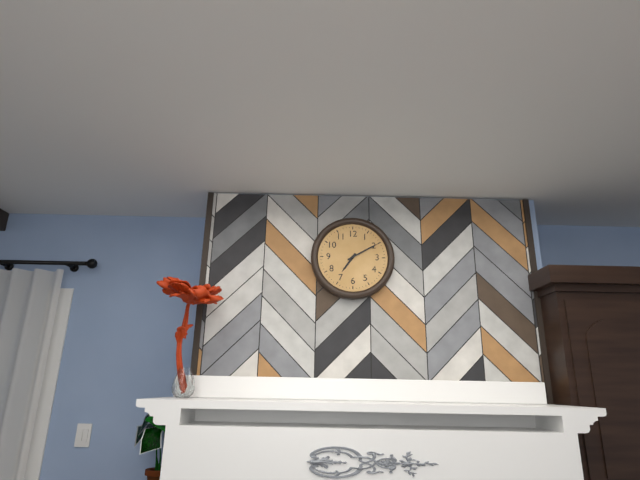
7:10
